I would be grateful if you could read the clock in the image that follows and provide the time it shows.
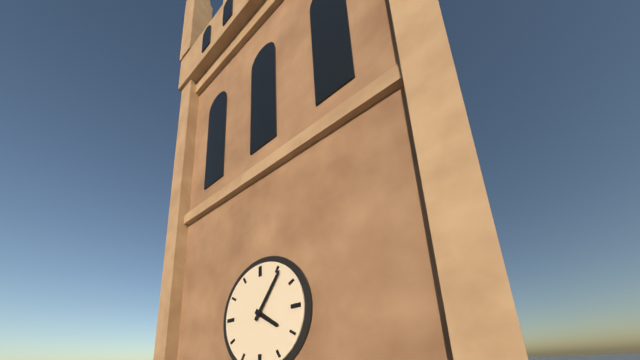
4:06
